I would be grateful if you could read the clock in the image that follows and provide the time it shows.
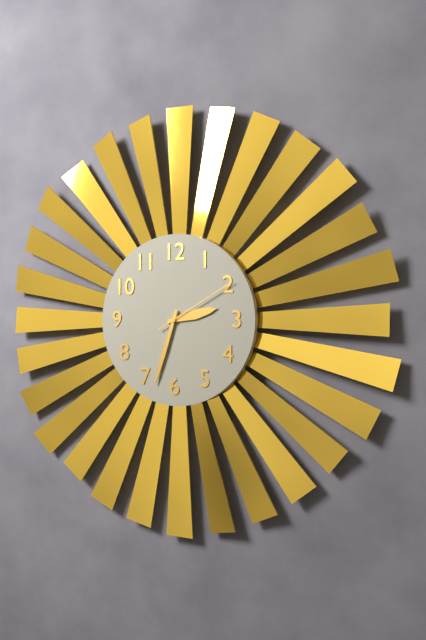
2:33:10
